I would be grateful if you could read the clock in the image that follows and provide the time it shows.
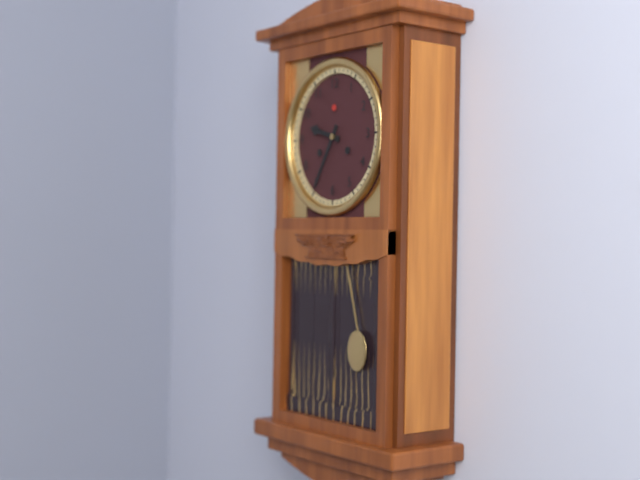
9:35
